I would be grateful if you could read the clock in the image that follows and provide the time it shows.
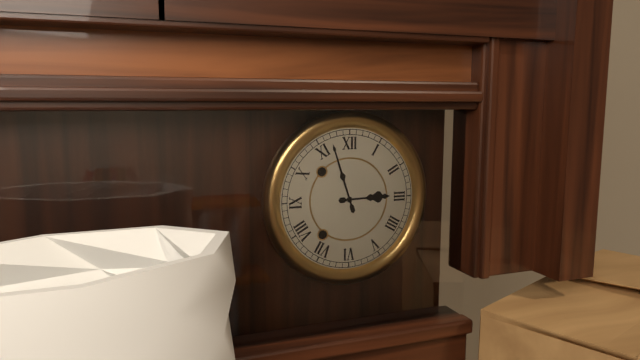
2:57
